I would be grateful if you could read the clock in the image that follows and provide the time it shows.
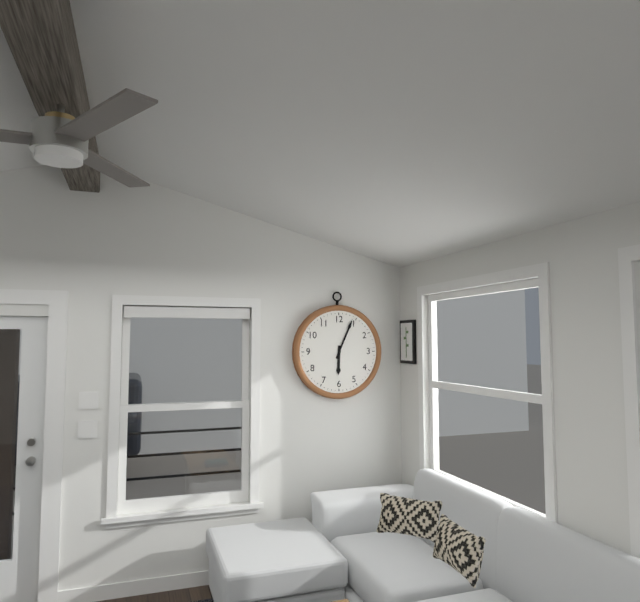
6:04
